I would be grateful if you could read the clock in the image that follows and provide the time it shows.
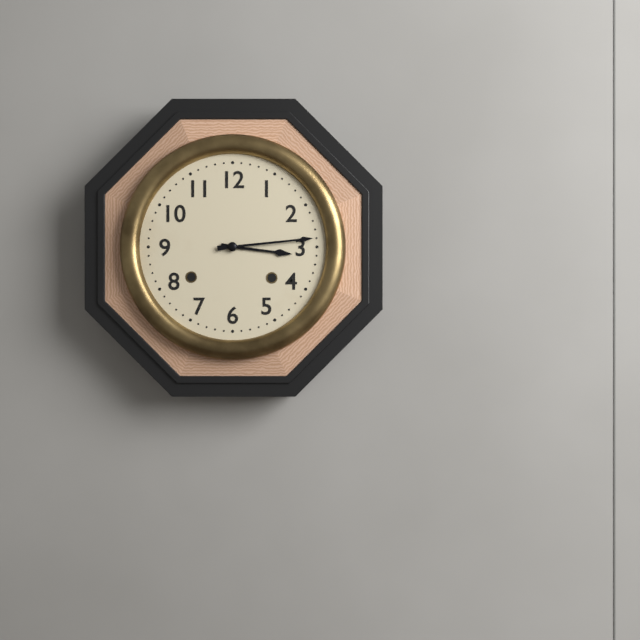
3:14
